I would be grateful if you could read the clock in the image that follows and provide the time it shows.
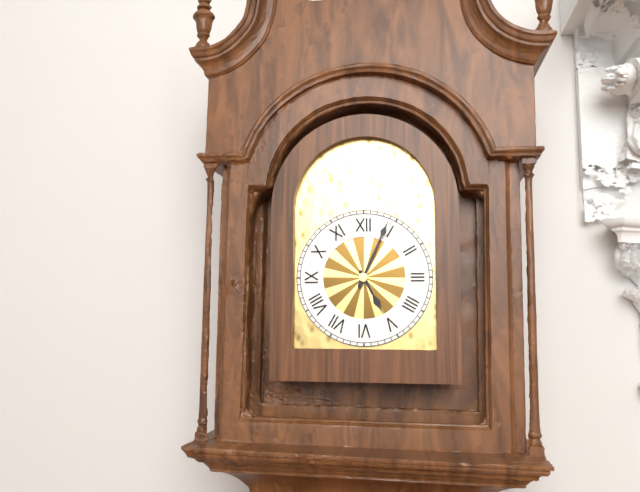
5:04
